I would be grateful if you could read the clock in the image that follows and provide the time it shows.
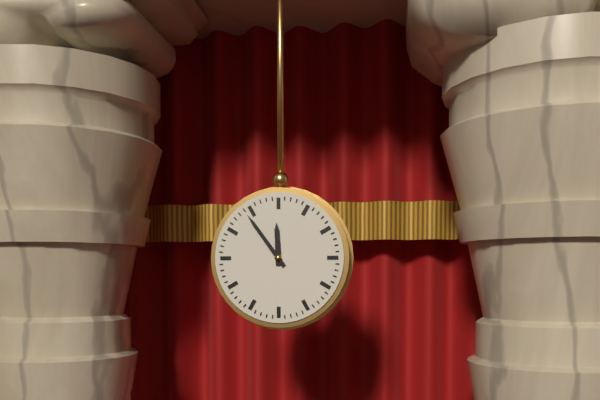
11:54
